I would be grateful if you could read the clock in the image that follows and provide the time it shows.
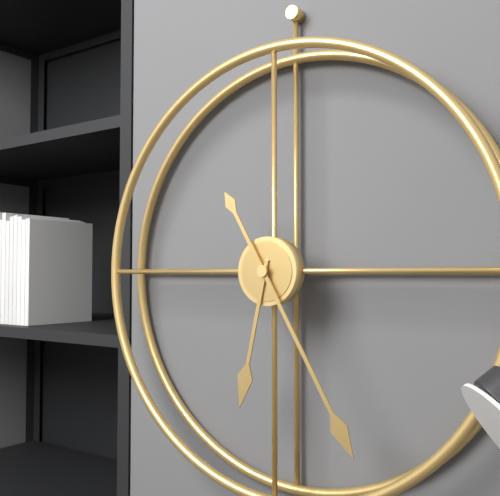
6:25
